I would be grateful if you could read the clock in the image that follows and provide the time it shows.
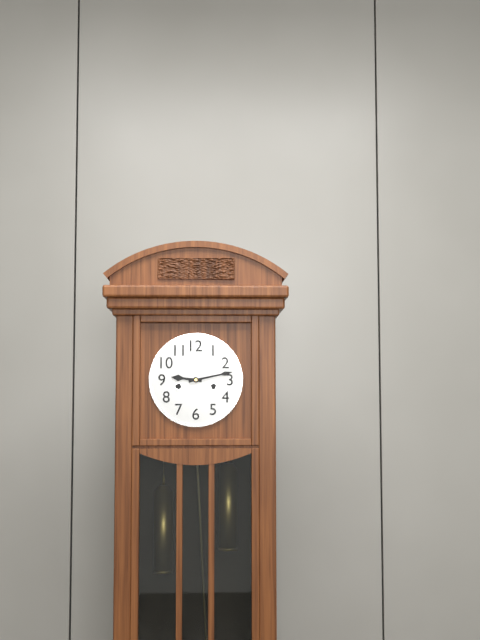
9:13
